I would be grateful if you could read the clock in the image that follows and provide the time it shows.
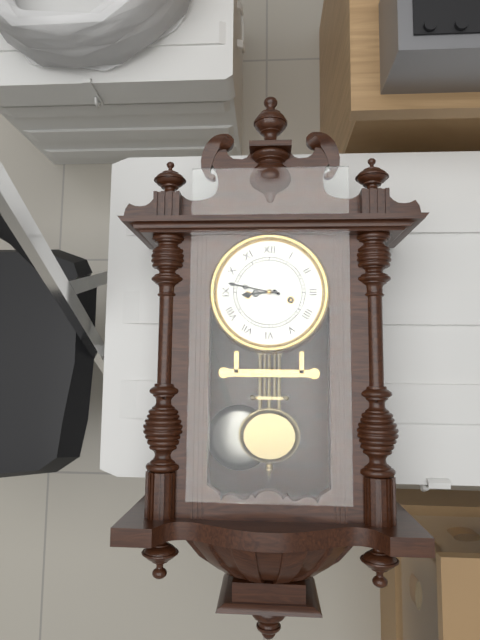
8:47
